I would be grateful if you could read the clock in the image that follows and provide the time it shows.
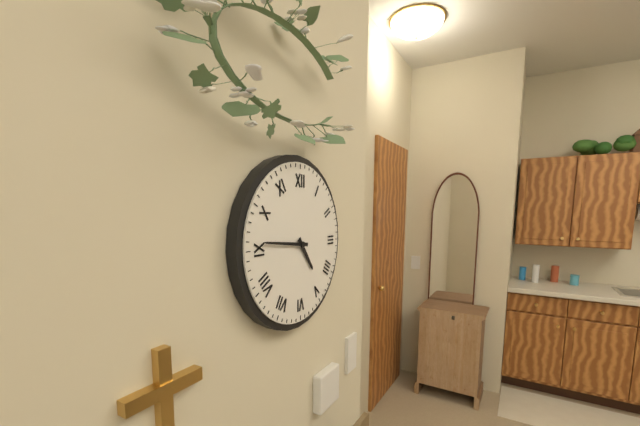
4:46
